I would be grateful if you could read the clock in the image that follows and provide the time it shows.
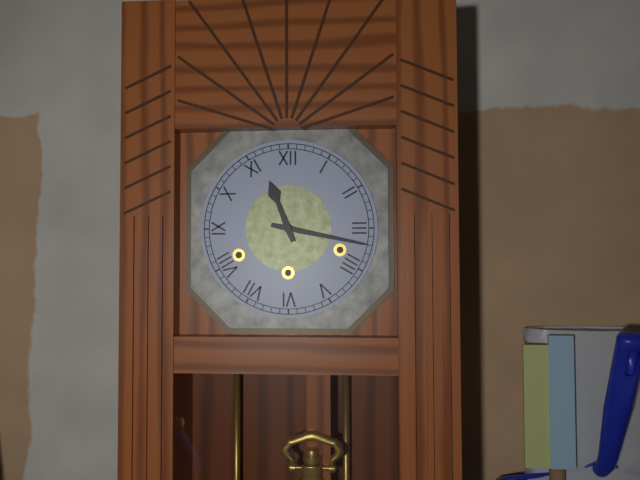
11:17
